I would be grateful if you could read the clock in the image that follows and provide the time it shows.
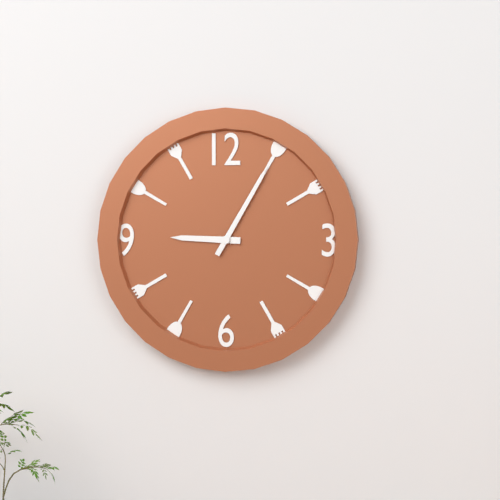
9:05
